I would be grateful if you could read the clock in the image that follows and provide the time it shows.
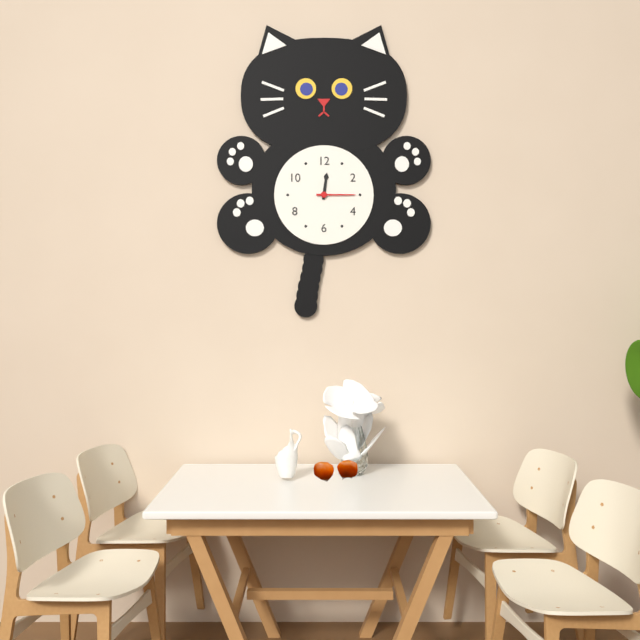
12:15
